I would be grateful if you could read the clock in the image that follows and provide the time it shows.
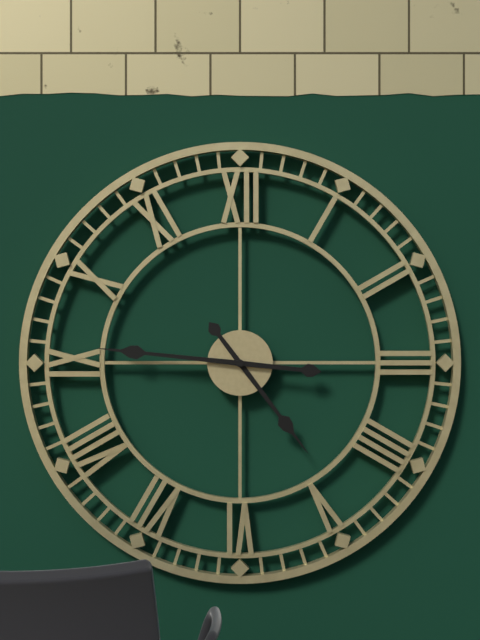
4:46
